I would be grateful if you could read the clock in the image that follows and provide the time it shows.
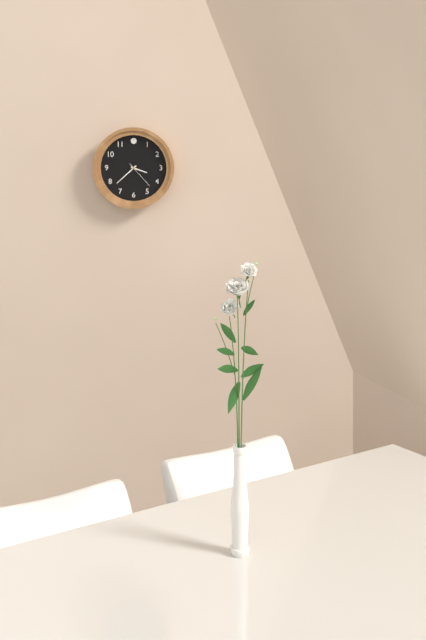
3:38
